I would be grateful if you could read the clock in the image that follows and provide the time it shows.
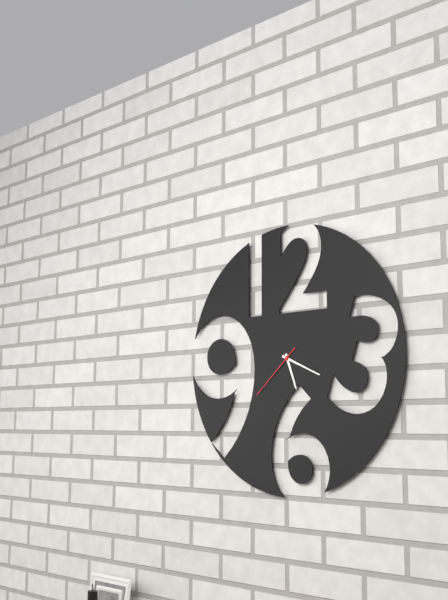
5:19:38
